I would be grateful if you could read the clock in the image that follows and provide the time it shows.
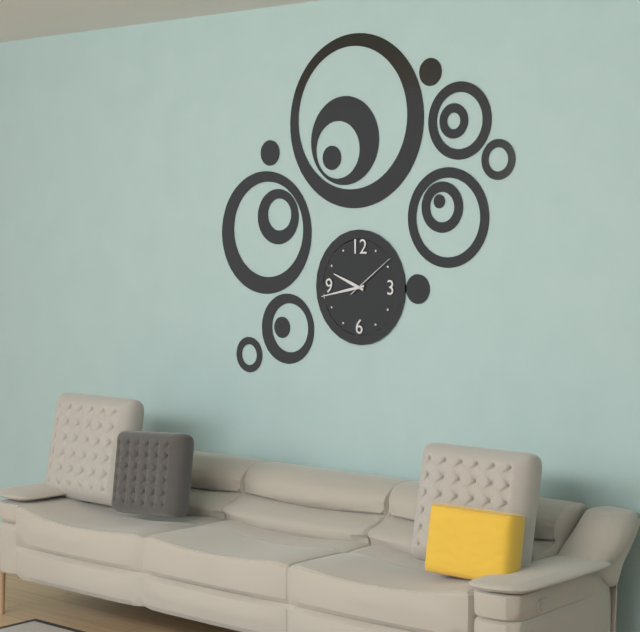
9:43:09
